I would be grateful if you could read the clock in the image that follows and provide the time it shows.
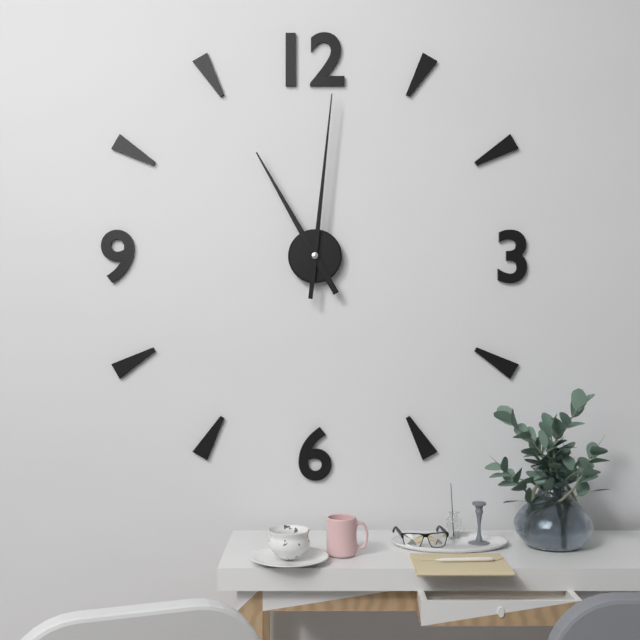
11:01
